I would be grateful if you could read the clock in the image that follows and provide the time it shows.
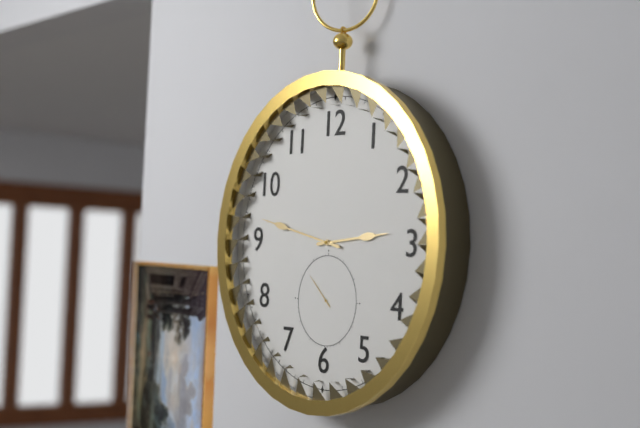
2:47
